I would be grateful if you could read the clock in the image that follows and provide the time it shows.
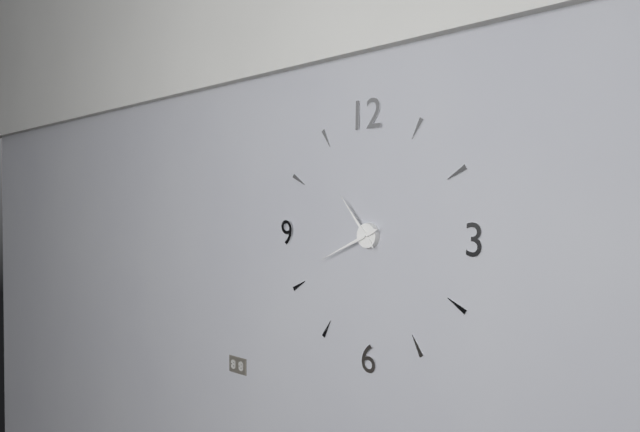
10:41
